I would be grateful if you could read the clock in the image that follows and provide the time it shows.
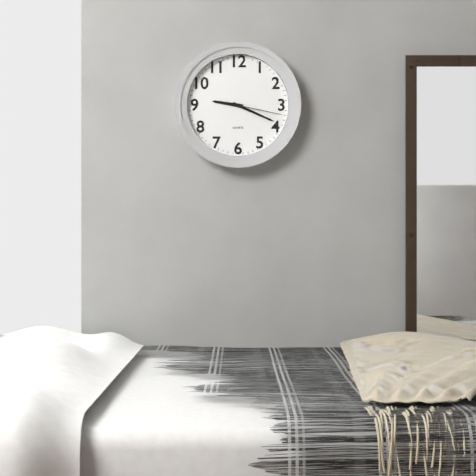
9:19:17
